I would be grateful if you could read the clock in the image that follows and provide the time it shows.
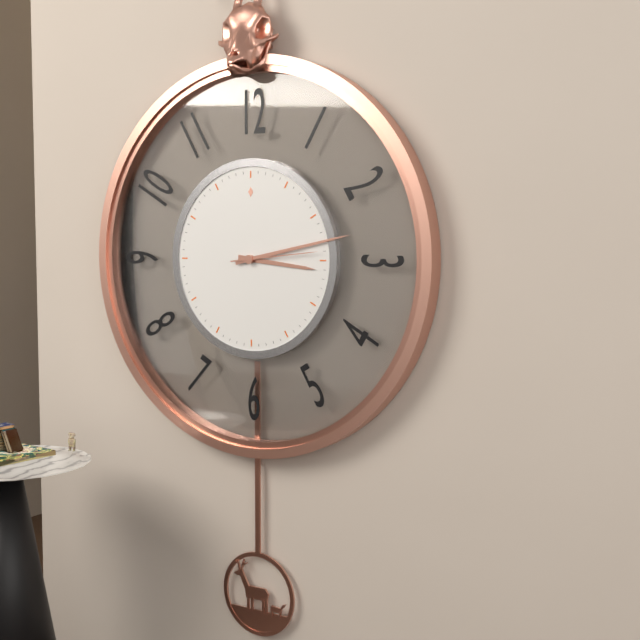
3:13:14
